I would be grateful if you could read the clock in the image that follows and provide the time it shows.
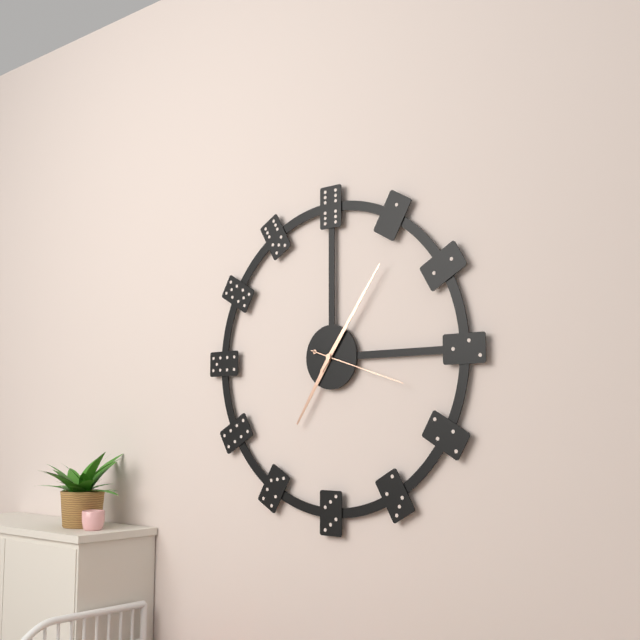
7:06:18
